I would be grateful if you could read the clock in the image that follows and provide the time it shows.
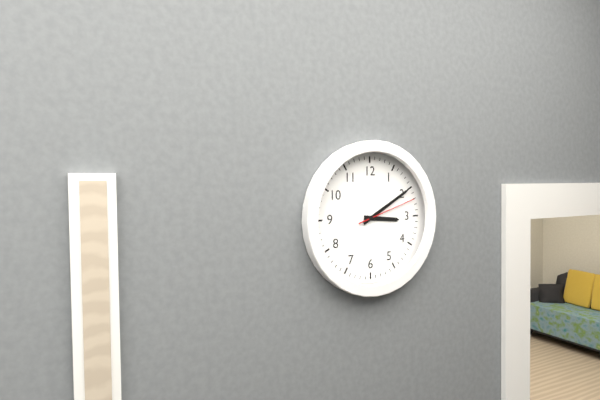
3:10:12
